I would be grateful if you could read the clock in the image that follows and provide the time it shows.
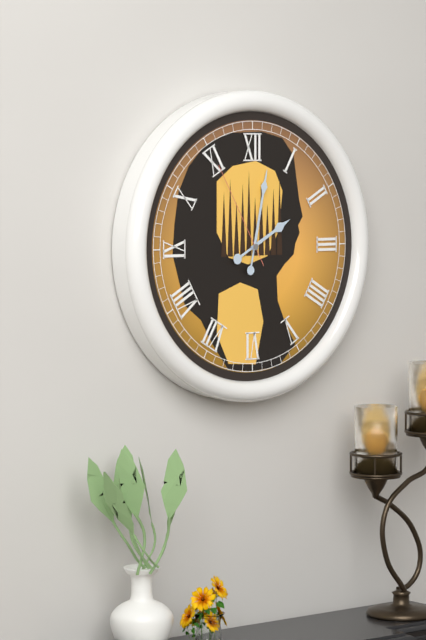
2:02:55
